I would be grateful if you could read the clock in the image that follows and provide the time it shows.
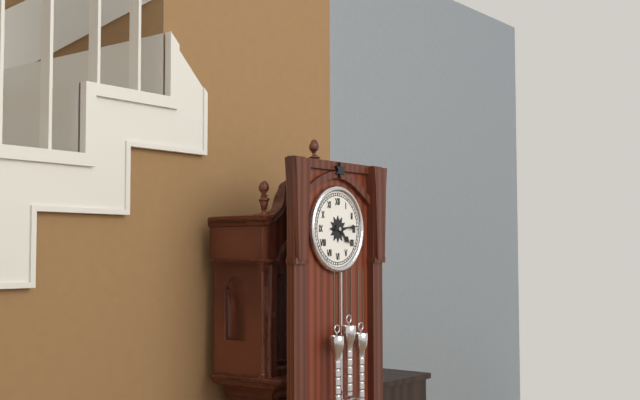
4:14
